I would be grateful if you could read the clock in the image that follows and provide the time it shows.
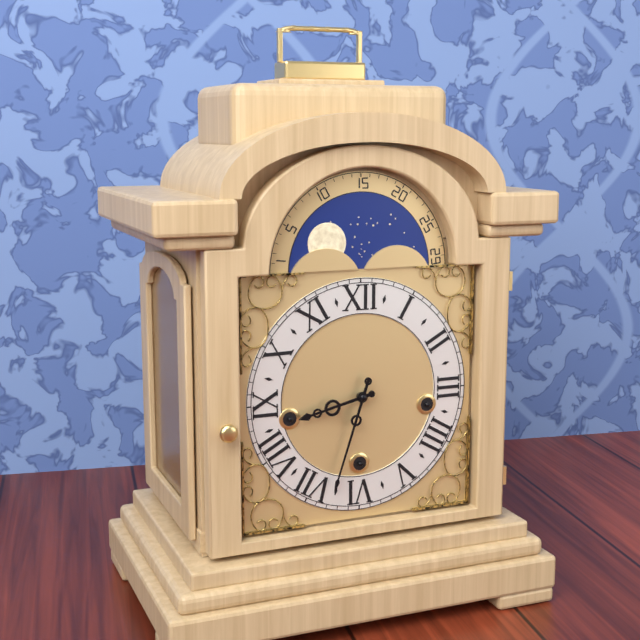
8:33
